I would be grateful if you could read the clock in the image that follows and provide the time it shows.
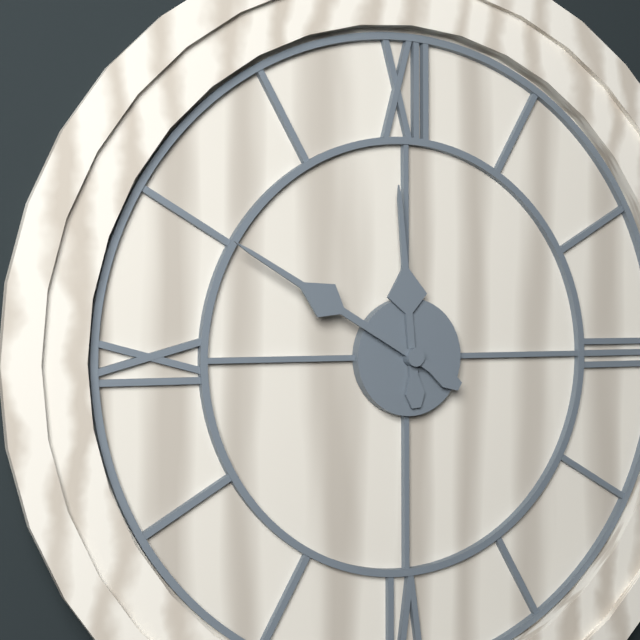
11:50
